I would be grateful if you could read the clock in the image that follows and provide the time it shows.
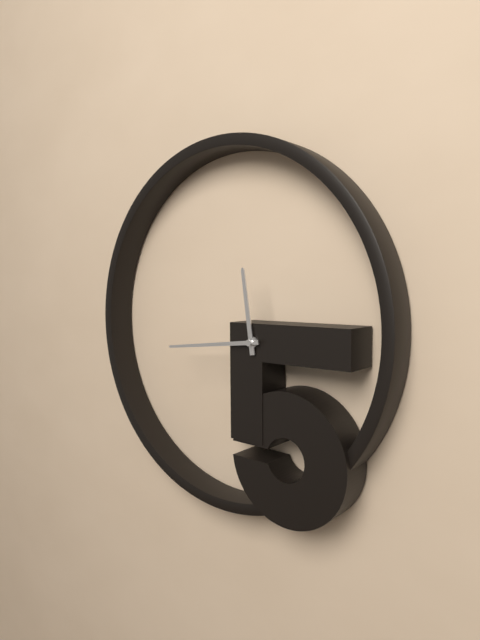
11:44
